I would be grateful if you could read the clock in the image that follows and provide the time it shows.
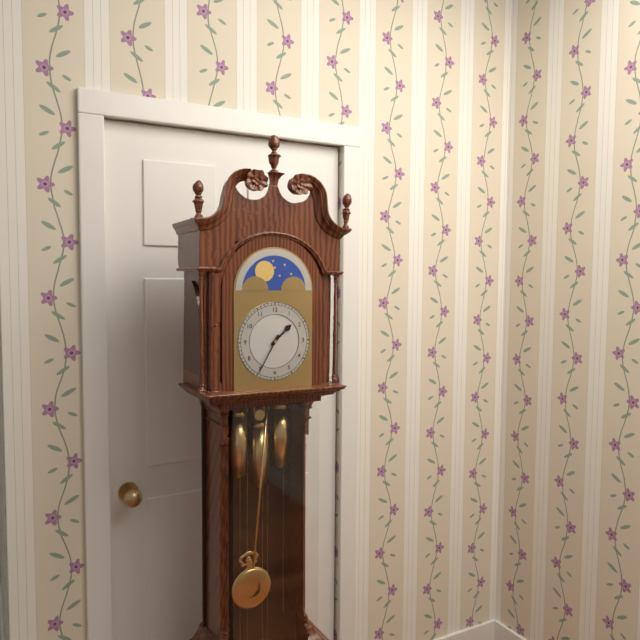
1:35
